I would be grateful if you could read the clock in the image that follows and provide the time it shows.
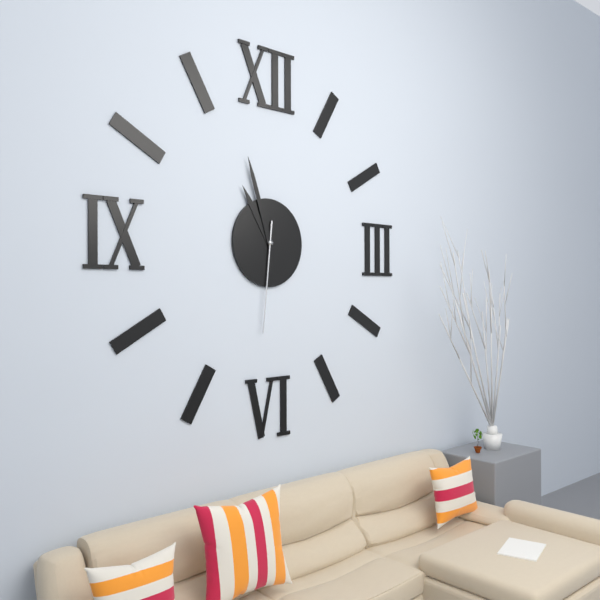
10:57:31
